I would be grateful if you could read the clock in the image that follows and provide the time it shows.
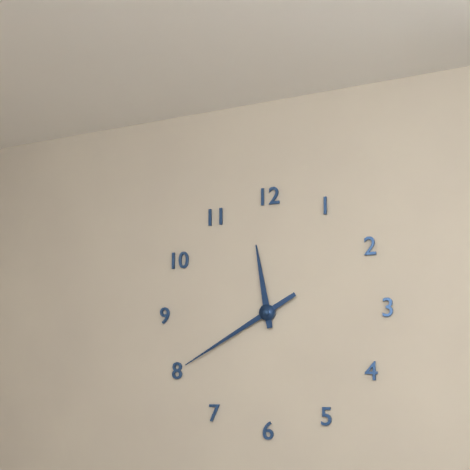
11:40
